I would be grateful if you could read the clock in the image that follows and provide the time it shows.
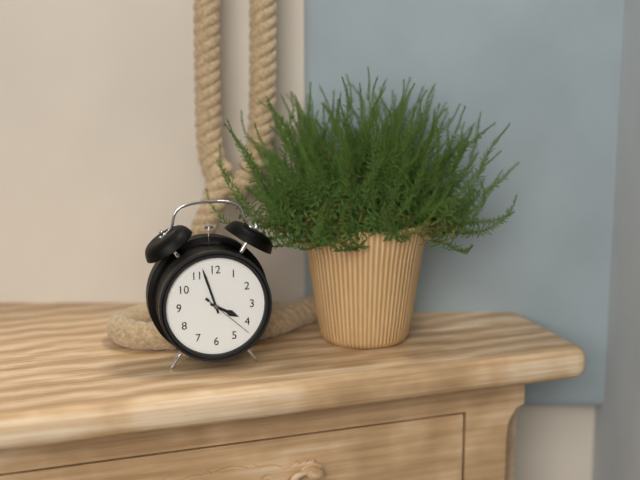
3:57:22
